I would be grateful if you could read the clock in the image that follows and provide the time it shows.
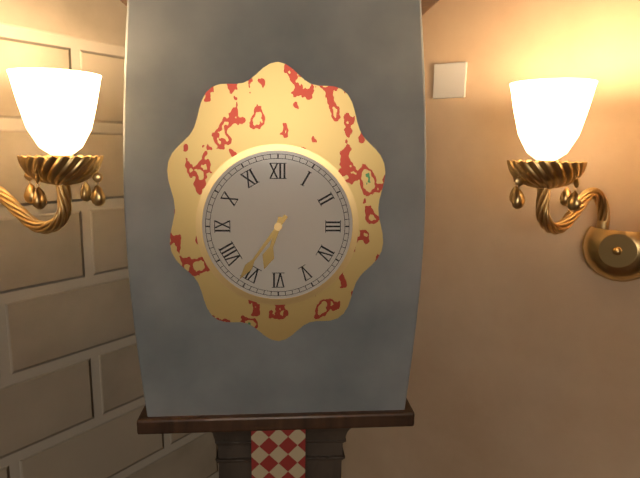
6:36
